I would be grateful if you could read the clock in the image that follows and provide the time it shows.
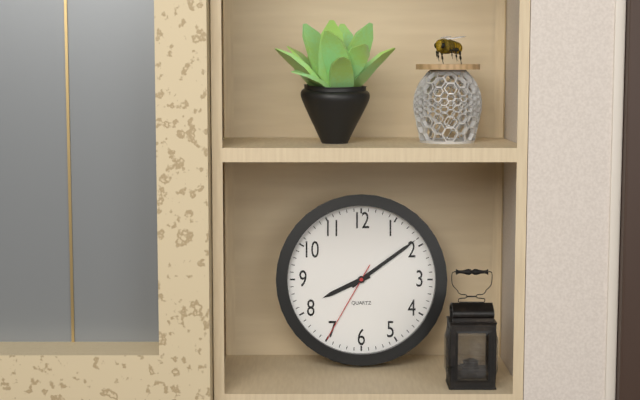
8:09:35
